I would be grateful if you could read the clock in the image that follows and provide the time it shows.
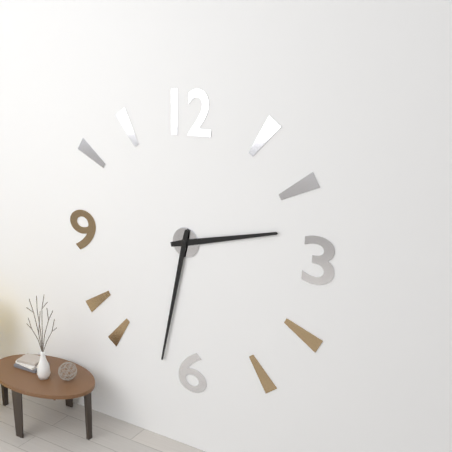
2:32
